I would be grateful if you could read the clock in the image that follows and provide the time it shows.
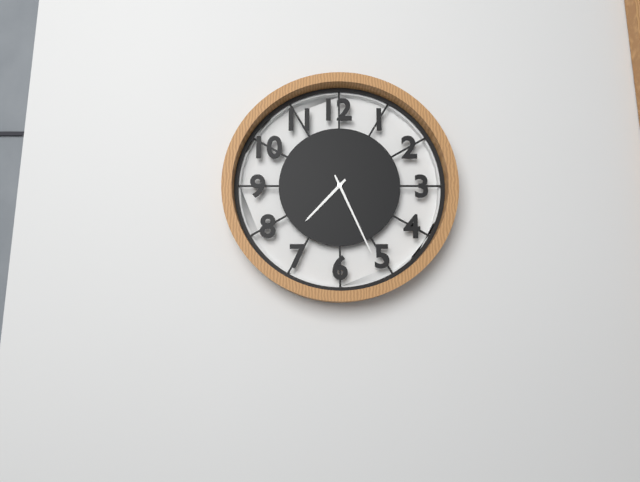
7:26
